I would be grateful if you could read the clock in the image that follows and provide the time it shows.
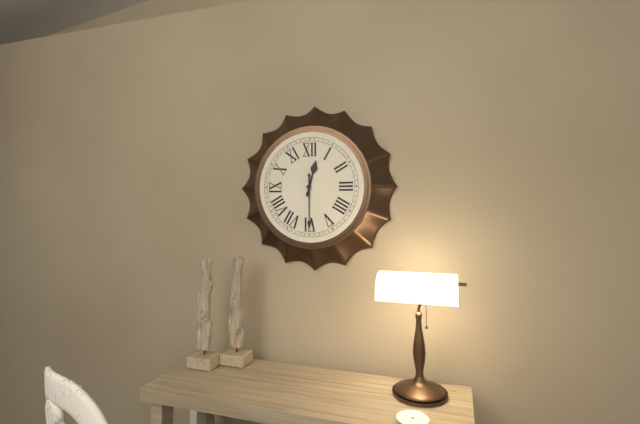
12:30
